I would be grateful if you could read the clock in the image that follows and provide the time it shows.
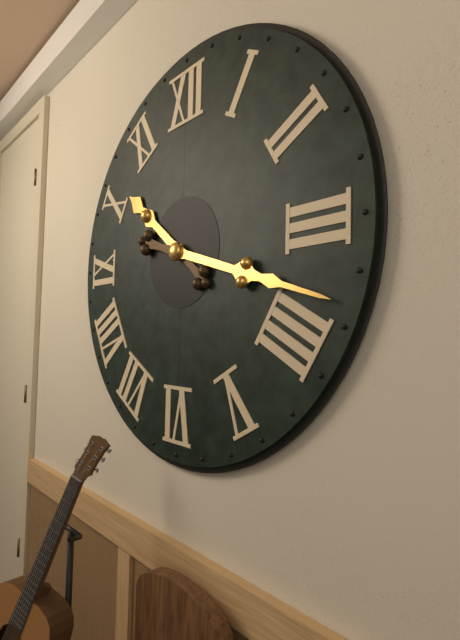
10:18
